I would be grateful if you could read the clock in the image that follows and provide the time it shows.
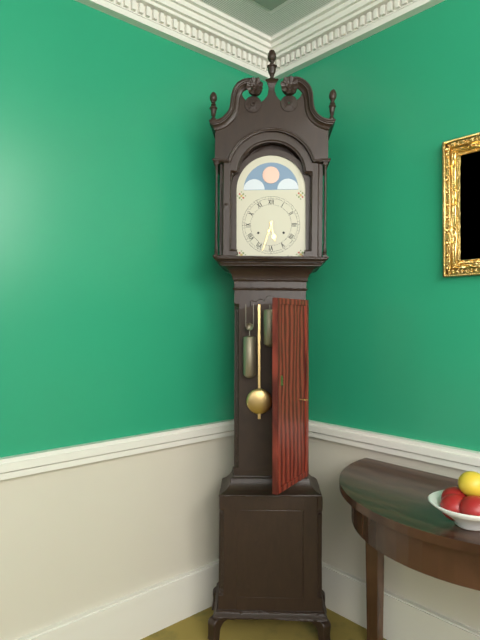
5:33
